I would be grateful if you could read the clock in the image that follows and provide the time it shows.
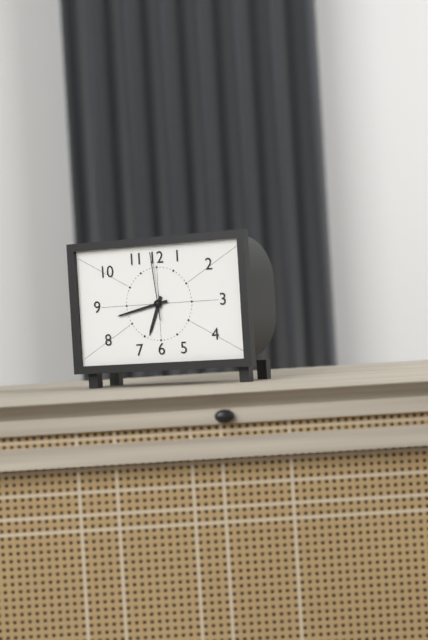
6:43:59
